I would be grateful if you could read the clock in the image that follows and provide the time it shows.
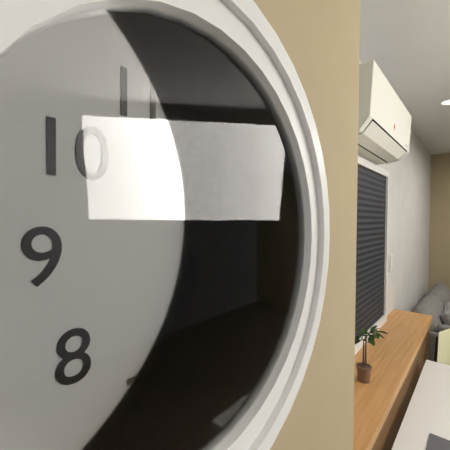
4:26
